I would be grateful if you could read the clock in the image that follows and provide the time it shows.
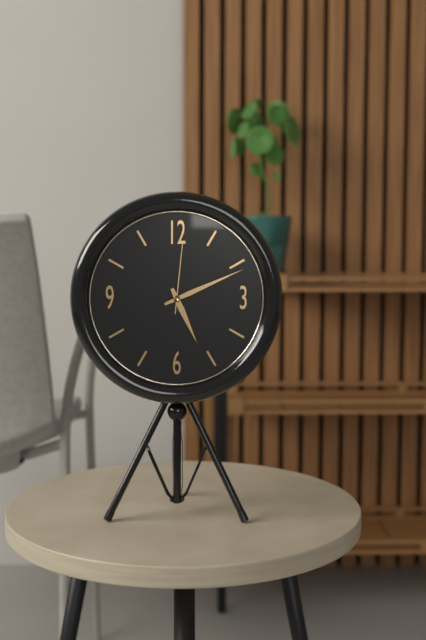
5:11:01
